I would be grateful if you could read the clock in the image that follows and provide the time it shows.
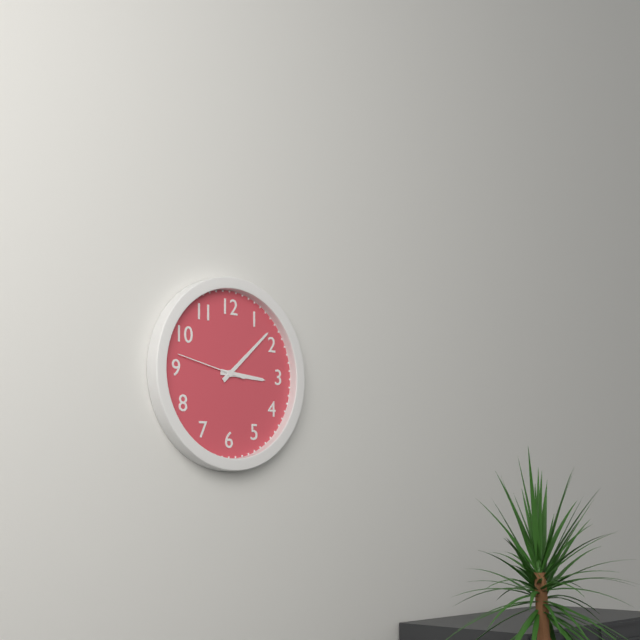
3:08:47
